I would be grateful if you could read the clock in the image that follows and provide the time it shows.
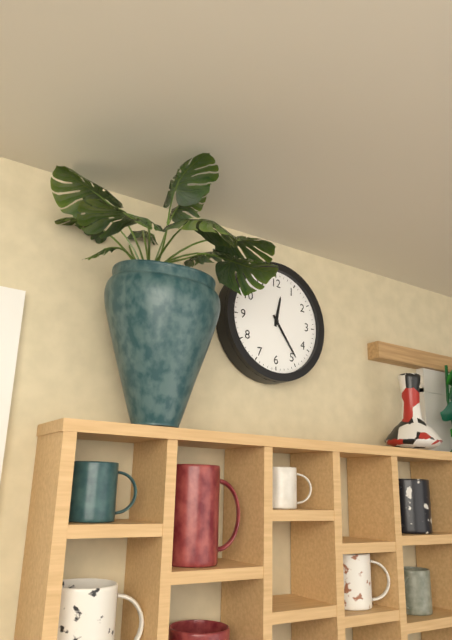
12:24
